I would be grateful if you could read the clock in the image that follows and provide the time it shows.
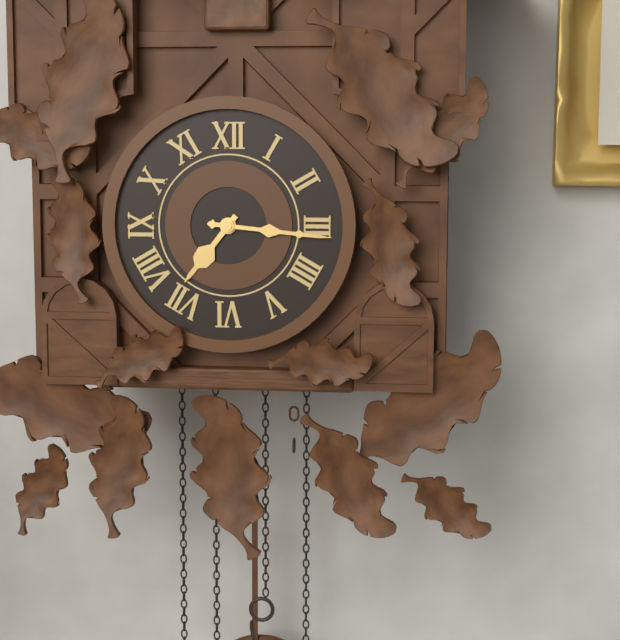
7:16
